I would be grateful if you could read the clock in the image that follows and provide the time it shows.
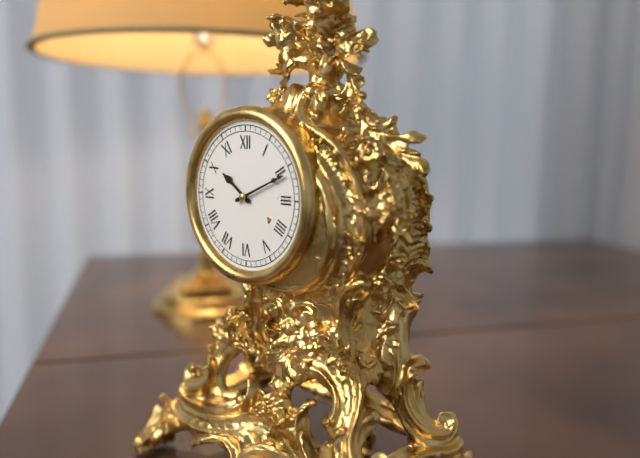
10:11
